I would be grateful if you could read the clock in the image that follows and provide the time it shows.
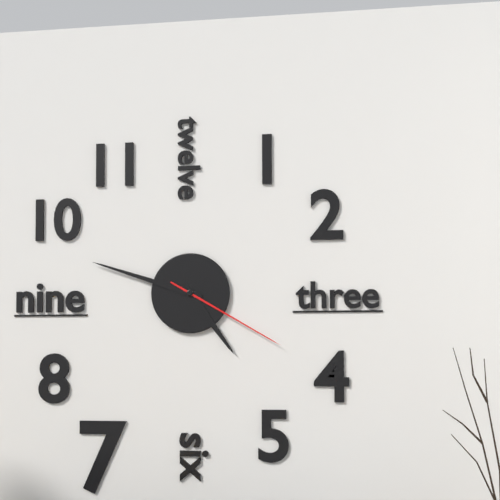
4:48:20
